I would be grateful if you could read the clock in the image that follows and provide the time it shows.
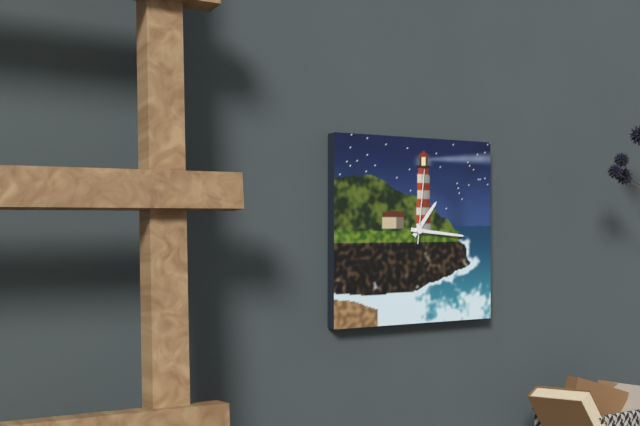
1:16:01
